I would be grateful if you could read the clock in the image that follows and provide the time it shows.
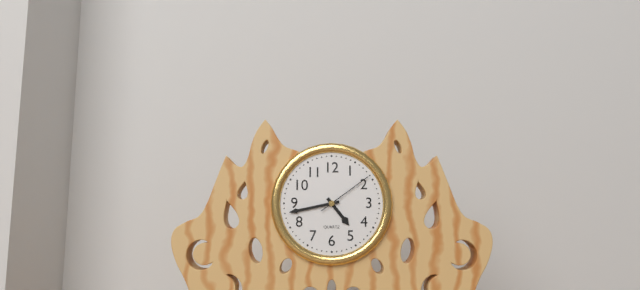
4:43:09
